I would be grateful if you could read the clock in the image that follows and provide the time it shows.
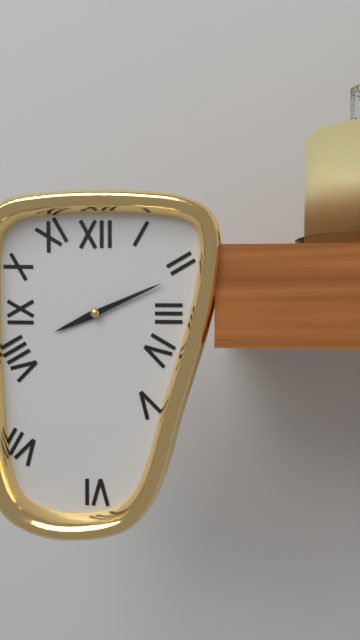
8:11
